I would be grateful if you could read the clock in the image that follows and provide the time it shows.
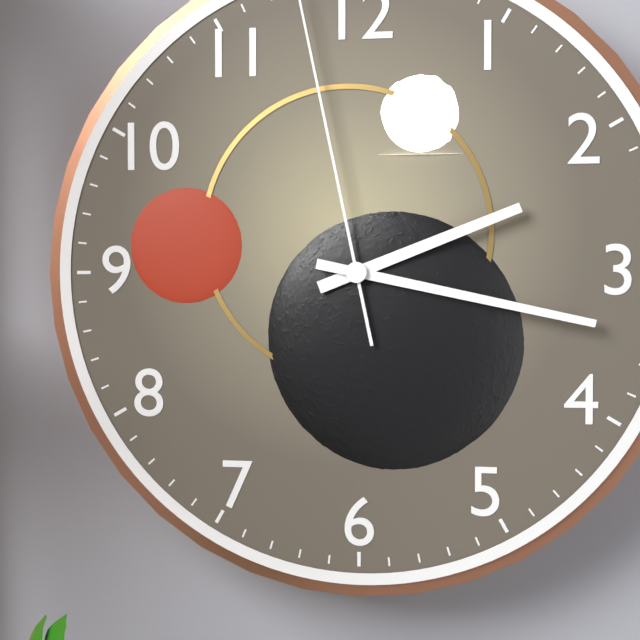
2:17
